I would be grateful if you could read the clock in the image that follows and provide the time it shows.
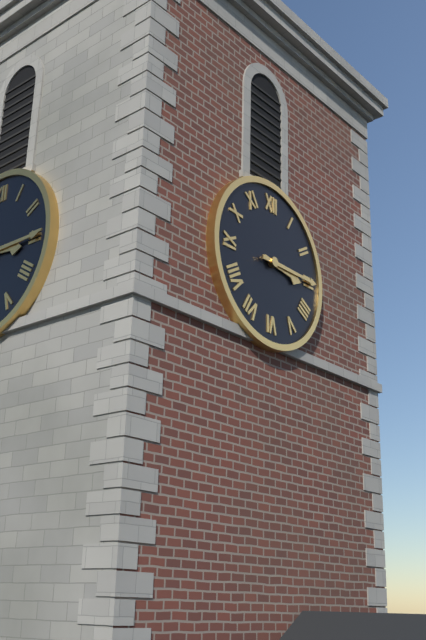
3:15
